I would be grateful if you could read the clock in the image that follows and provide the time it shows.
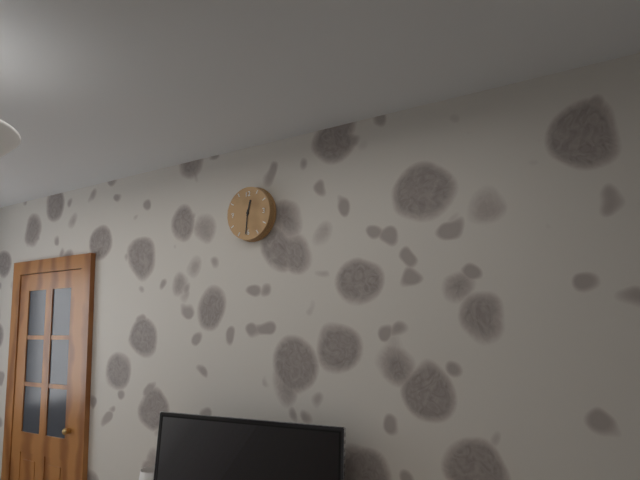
12:31
